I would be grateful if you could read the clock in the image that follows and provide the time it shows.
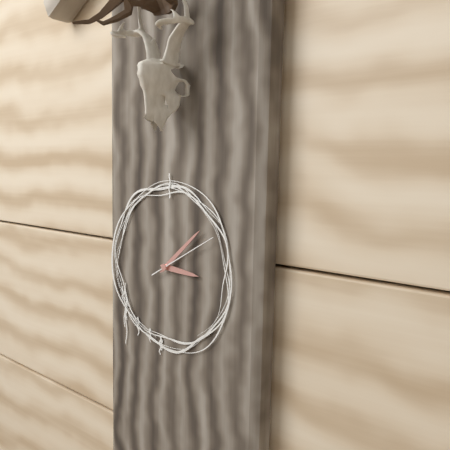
3:08:10
